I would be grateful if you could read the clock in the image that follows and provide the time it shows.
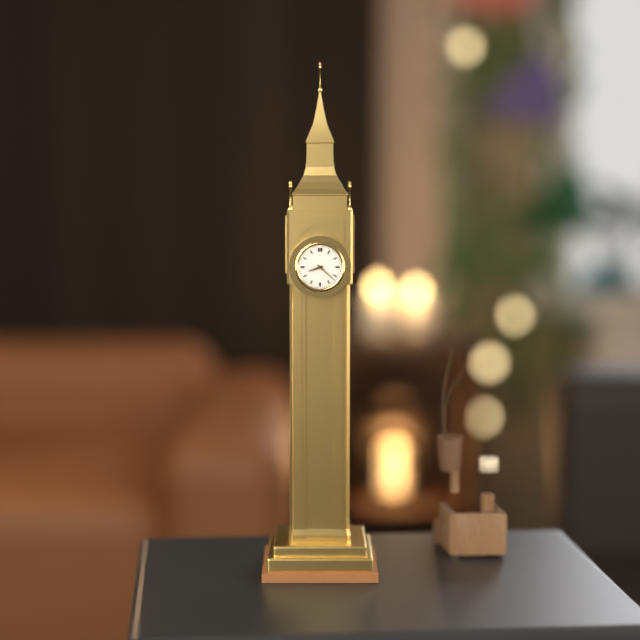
8:22
